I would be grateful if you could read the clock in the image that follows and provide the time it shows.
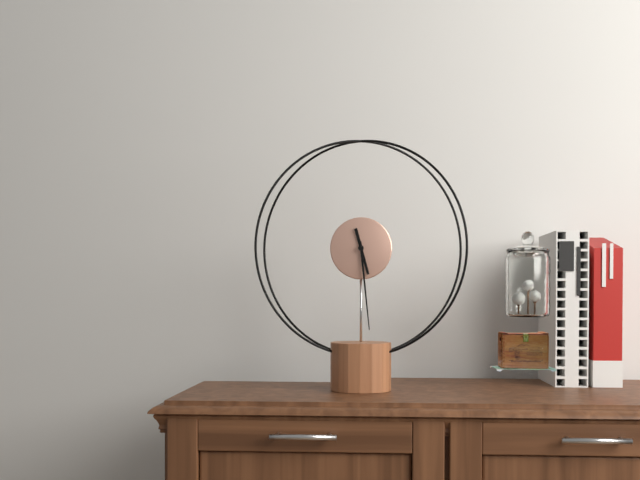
5:29
